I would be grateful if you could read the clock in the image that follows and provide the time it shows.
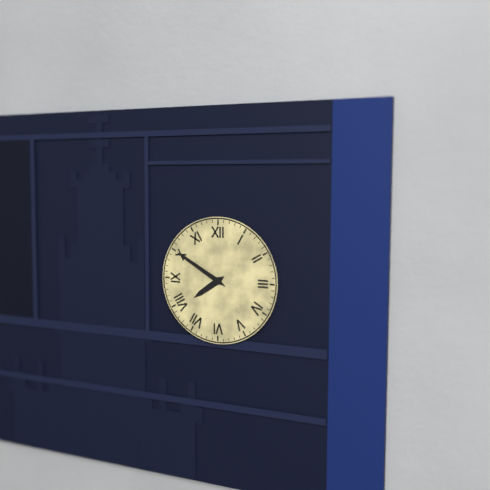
7:50
